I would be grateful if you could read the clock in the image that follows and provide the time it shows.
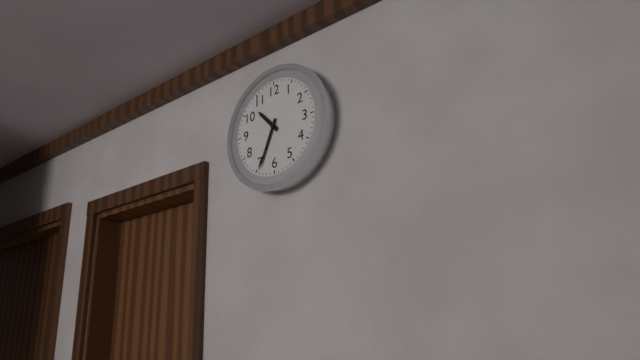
10:34
